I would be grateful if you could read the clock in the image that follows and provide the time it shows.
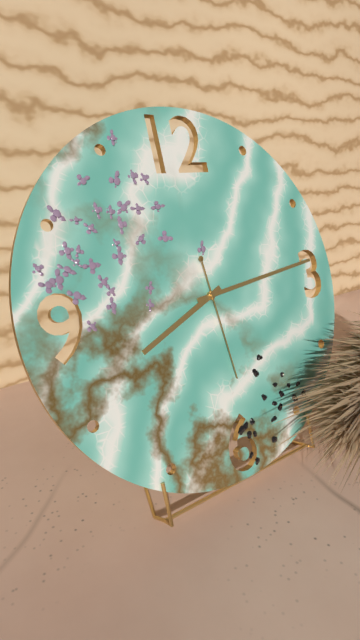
8:14:29
